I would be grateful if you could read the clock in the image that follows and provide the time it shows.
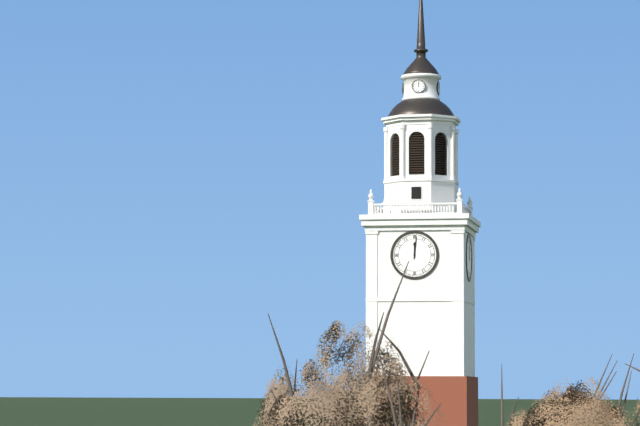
12:01
